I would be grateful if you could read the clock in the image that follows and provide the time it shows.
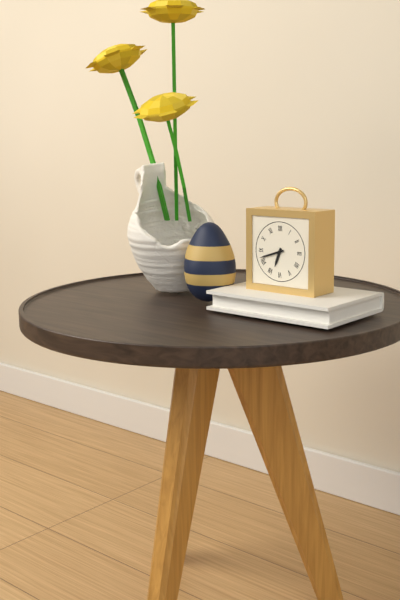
6:42
